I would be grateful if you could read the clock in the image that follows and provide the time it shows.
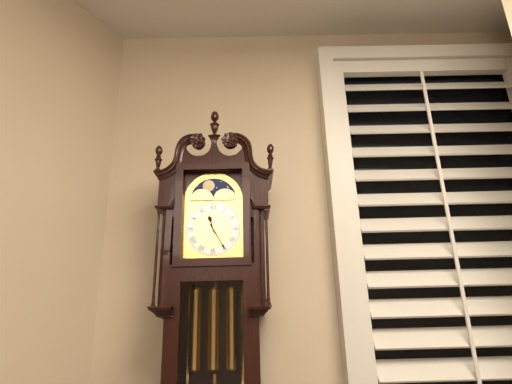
11:25
